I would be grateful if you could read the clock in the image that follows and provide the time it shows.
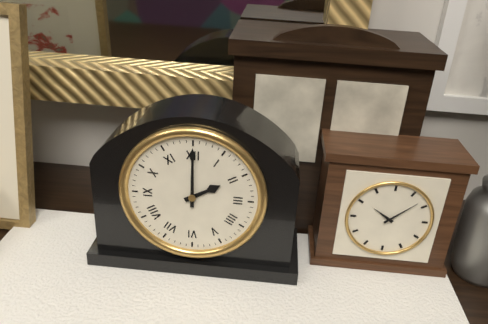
2:00
